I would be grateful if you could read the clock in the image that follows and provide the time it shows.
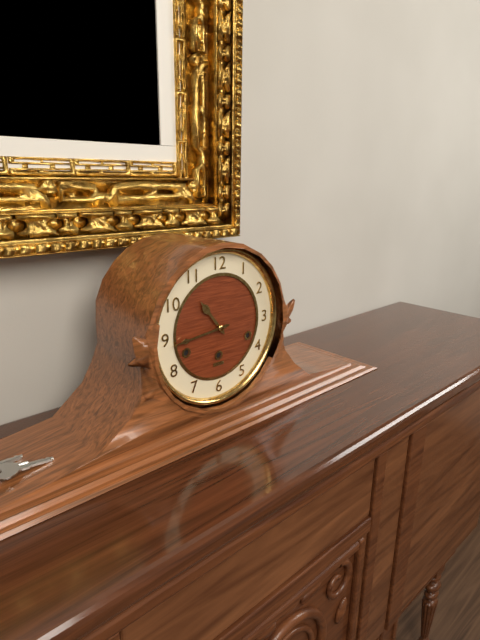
10:44
